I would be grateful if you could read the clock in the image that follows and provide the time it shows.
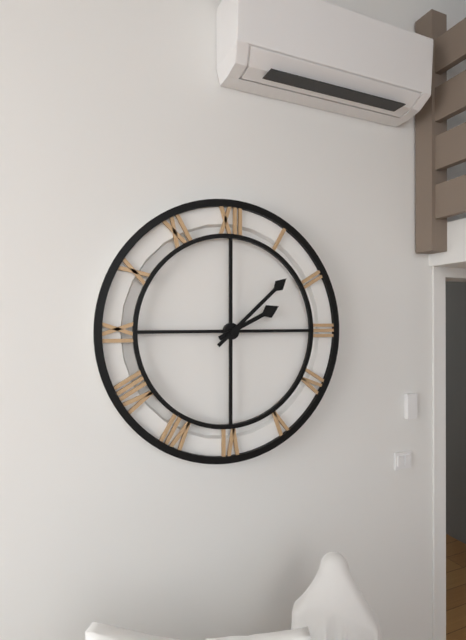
2:08
